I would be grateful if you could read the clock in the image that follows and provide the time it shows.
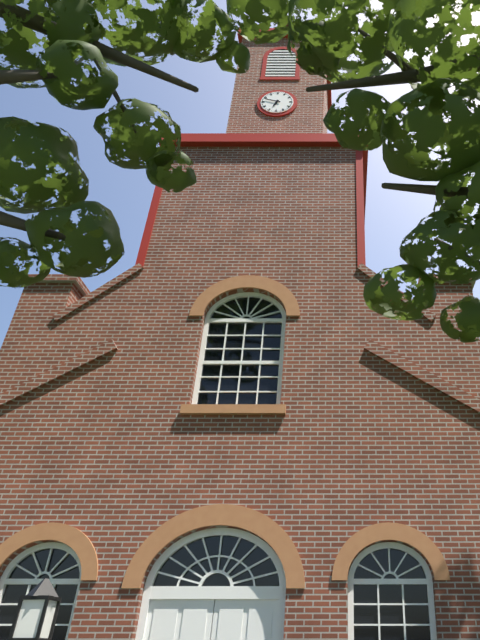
6:48
